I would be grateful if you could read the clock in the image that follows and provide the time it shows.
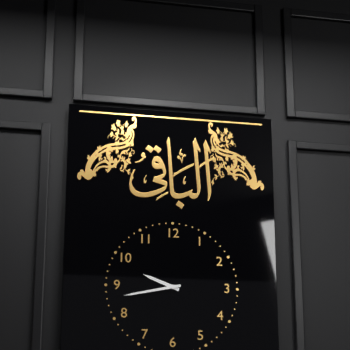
9:43
